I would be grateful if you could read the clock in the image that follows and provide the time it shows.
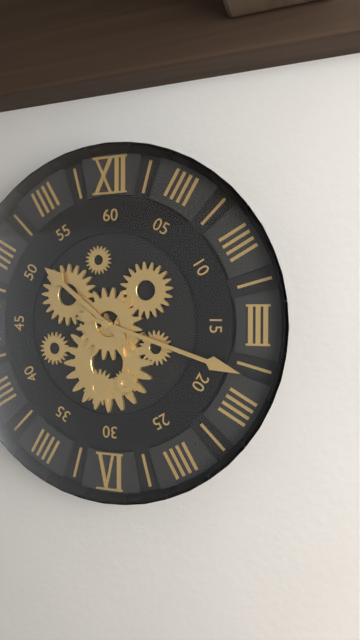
10:18
